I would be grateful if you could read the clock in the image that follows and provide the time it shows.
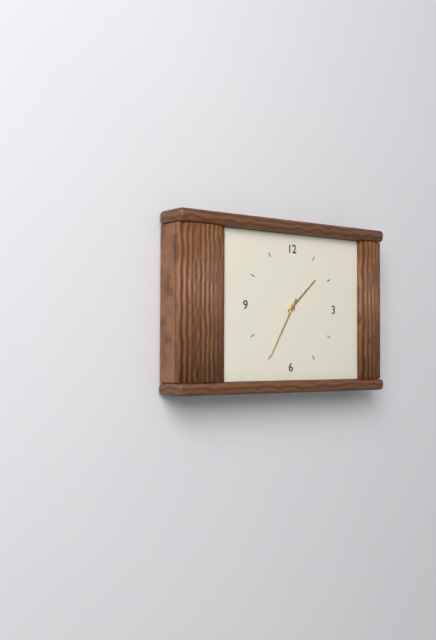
1:35
